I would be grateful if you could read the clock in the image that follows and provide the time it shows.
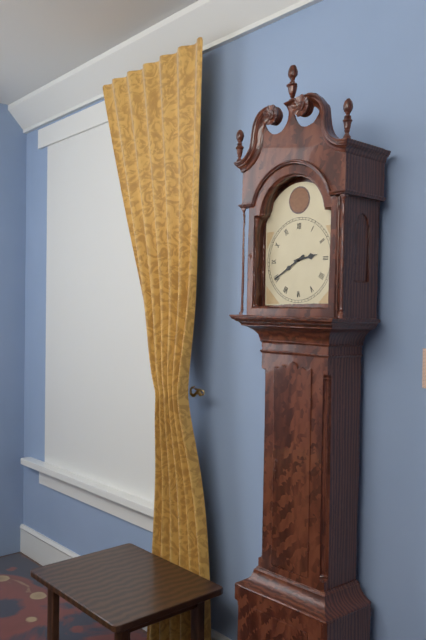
2:40
